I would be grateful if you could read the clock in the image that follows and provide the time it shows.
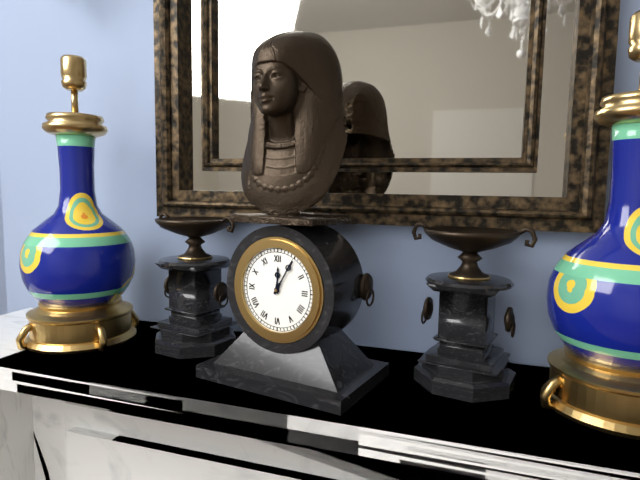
12:05
